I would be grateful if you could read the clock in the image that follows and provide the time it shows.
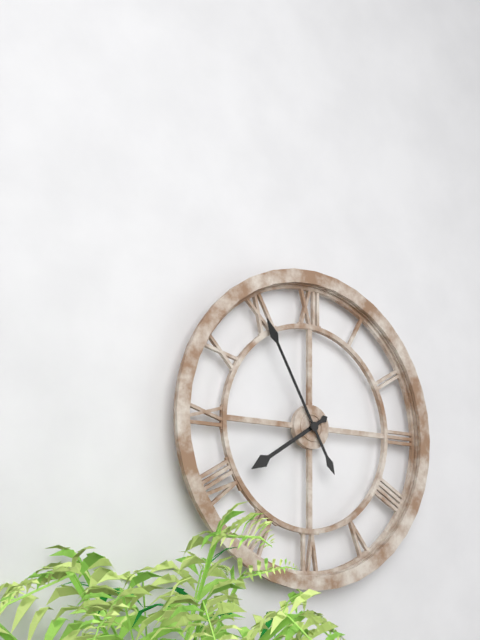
7:55
